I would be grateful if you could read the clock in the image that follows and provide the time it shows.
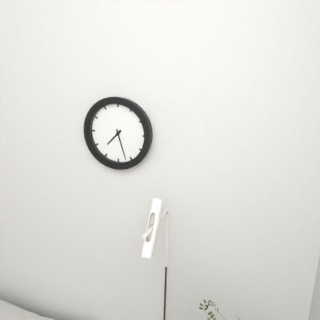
7:27
